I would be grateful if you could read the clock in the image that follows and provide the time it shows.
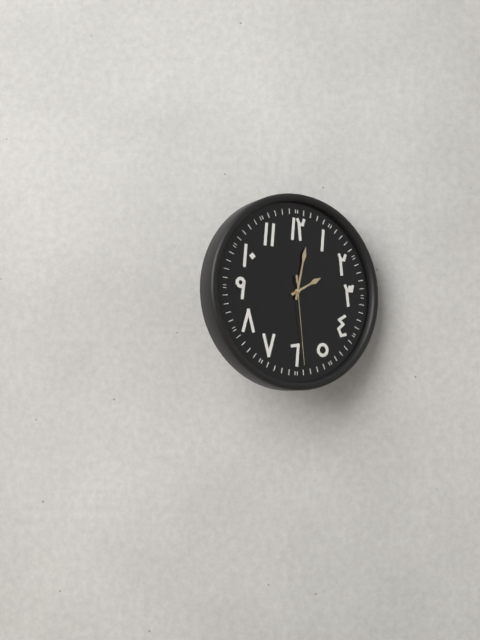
2:02:29
